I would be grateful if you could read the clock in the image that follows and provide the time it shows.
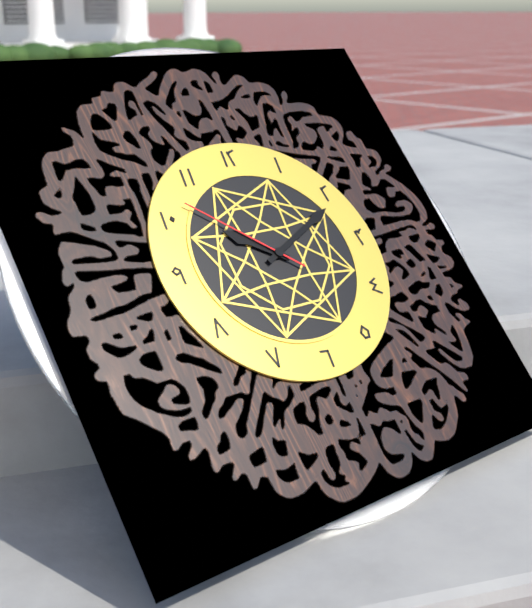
10:11:52
